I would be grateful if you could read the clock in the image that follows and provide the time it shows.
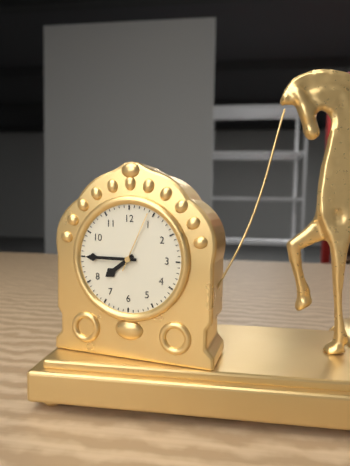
7:45:04
